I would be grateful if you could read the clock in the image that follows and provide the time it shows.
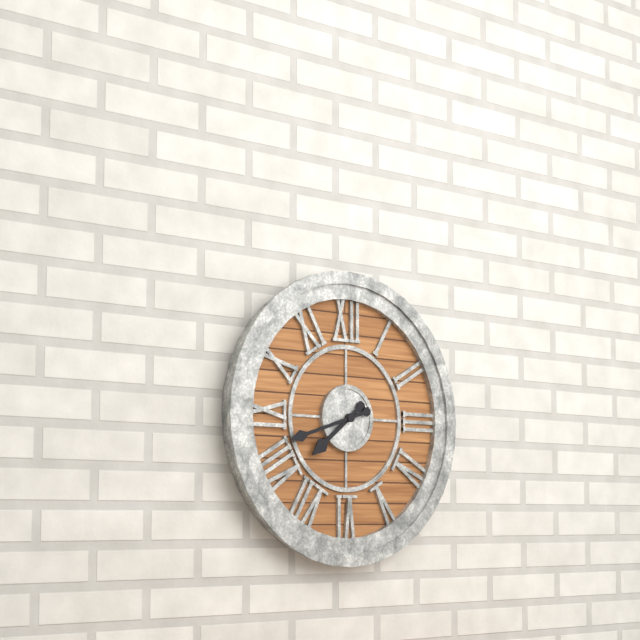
7:42
